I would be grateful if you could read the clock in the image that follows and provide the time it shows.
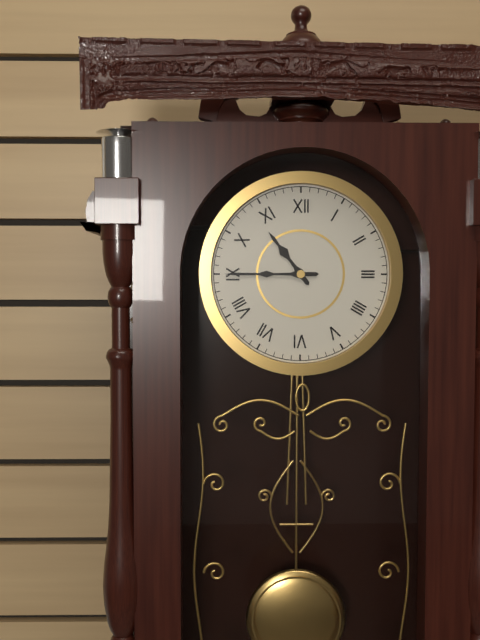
10:45
